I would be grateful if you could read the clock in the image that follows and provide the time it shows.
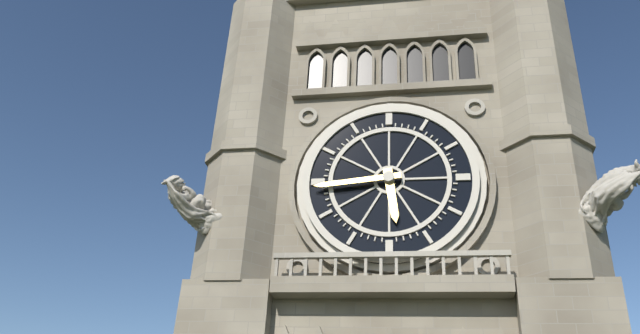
5:44
